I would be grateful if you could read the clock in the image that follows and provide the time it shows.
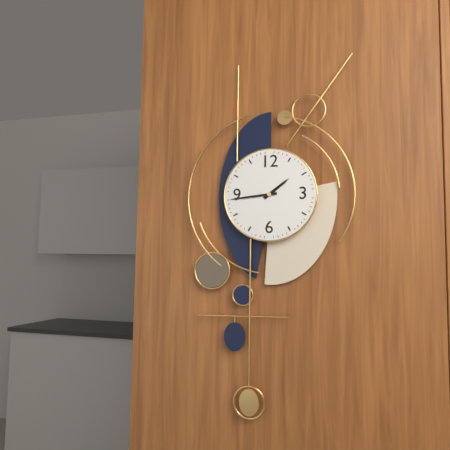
1:44
